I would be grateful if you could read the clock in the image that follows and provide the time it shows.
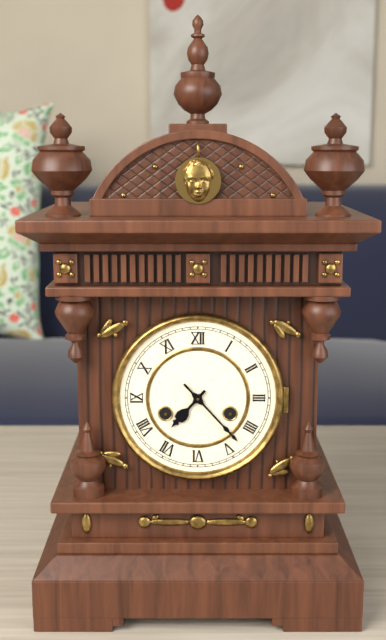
7:23
